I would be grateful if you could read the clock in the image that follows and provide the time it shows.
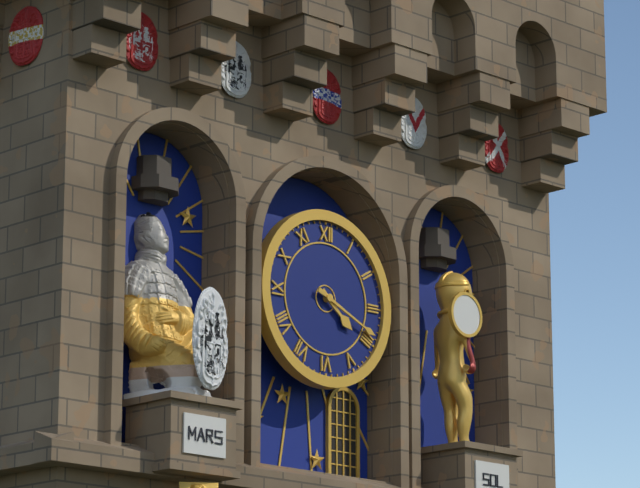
4:19
